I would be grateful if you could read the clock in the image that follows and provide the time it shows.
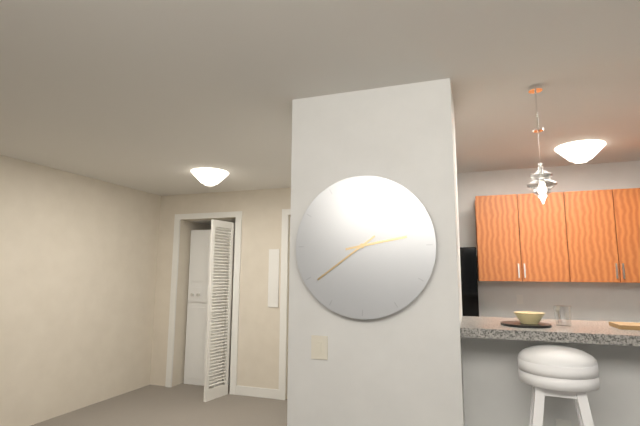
2:39
